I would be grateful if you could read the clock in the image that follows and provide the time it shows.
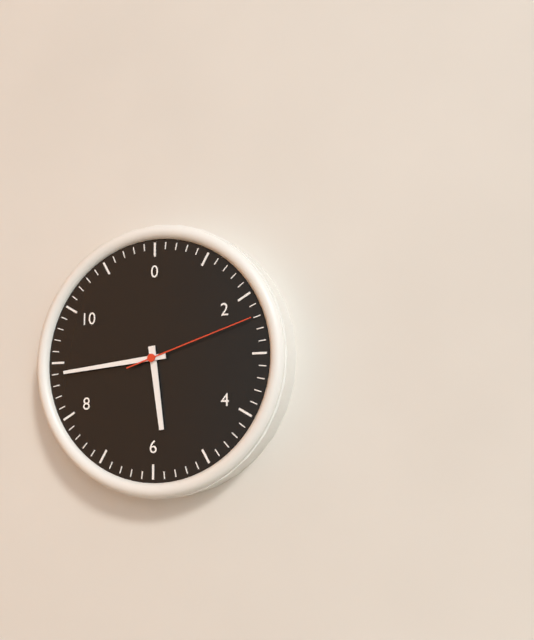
5:44:12
